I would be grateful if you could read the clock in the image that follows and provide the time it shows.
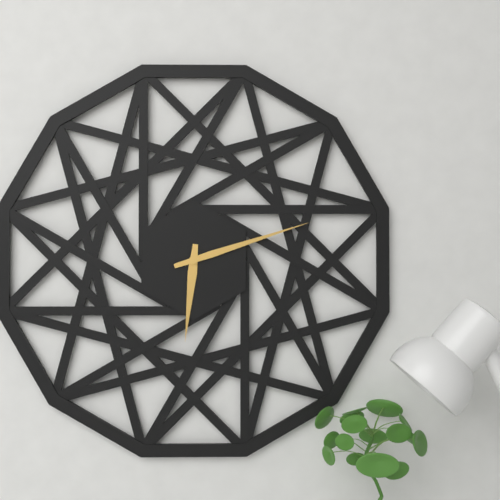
6:12
